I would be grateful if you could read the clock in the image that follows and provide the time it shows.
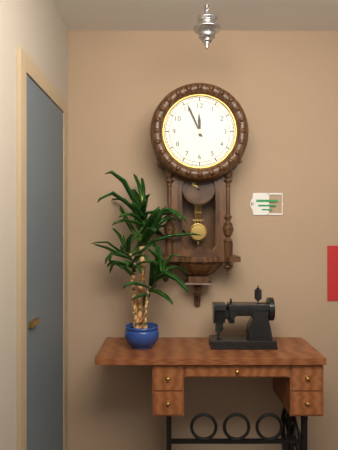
11:56
